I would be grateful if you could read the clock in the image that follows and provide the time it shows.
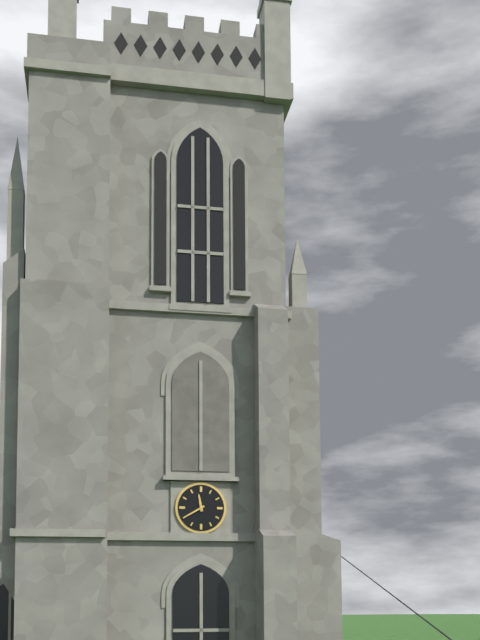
11:40
